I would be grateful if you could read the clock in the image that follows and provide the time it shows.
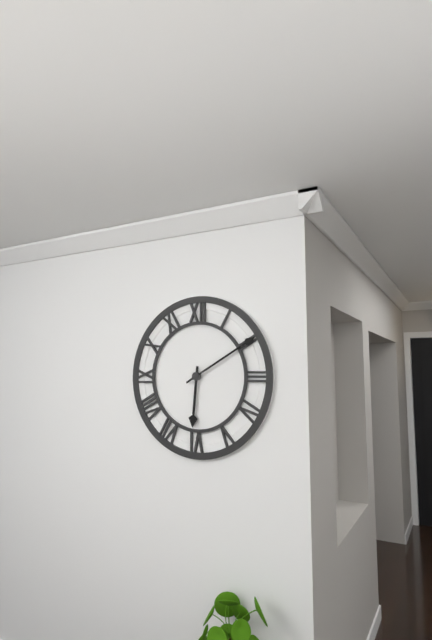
6:10
